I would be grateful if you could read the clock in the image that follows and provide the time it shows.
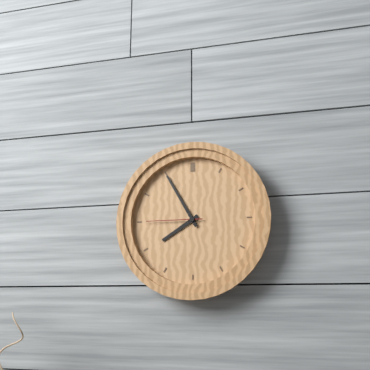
7:55:45
